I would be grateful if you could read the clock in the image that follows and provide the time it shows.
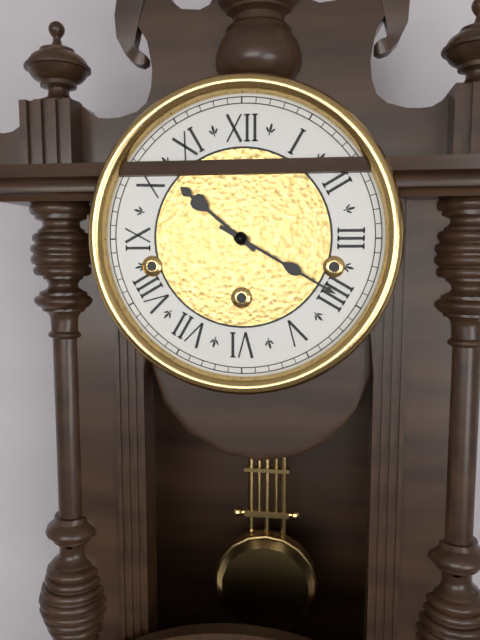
10:20
